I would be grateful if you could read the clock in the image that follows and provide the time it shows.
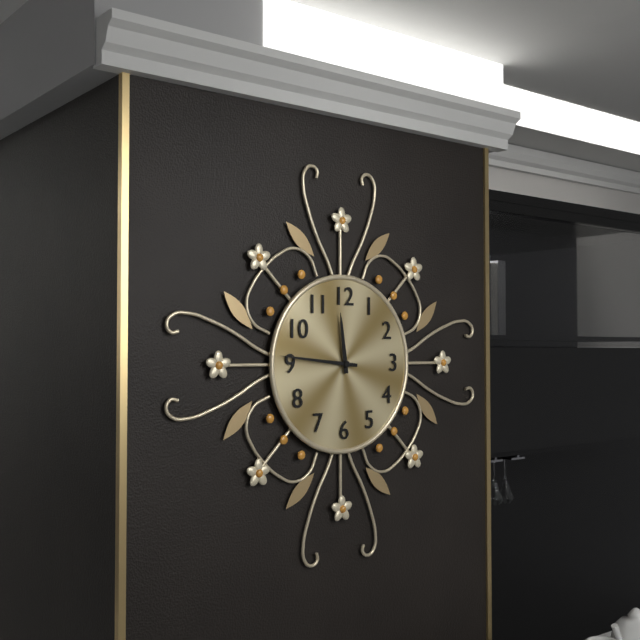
11:46
